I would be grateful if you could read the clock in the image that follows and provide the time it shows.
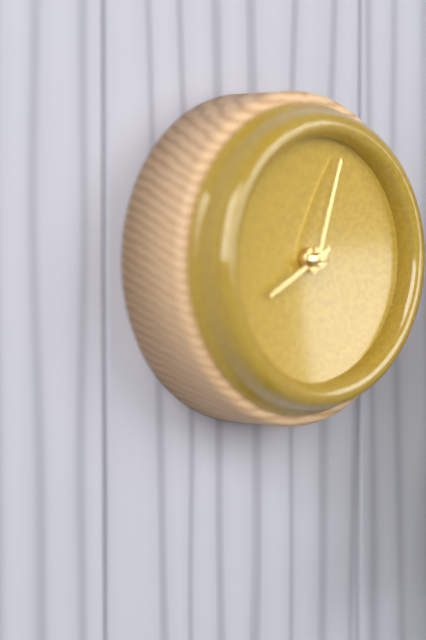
8:03
